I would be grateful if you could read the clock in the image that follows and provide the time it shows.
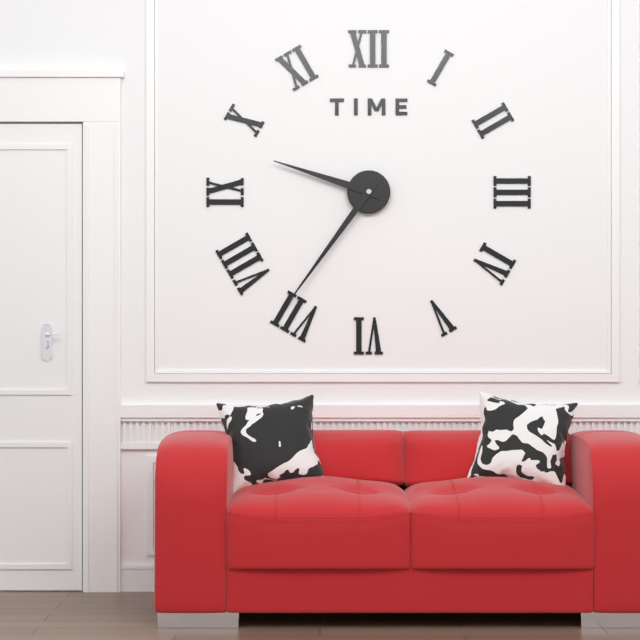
9:36
